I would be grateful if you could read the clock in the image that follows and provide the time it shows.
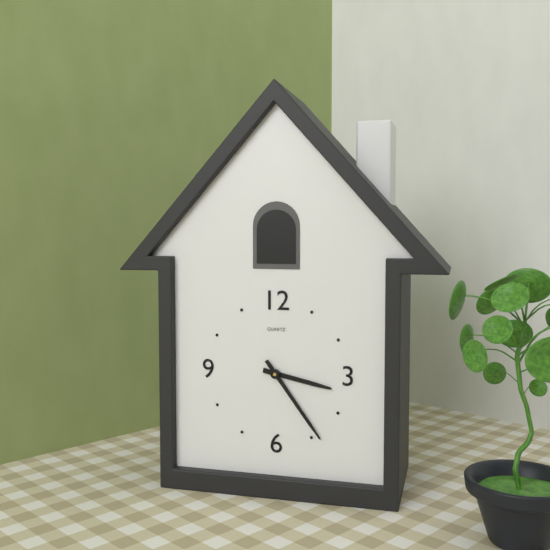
3:24
